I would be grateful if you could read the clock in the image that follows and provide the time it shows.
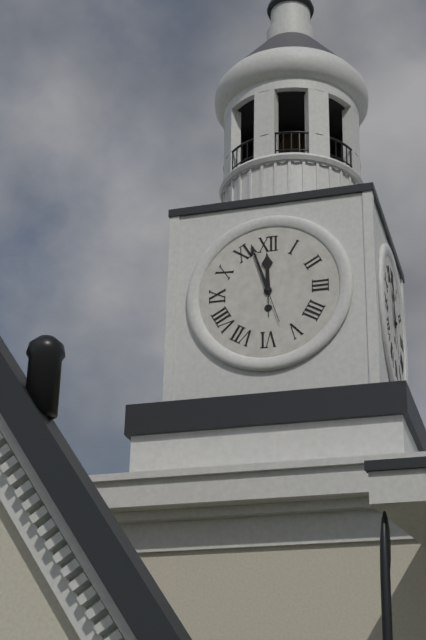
11:57
